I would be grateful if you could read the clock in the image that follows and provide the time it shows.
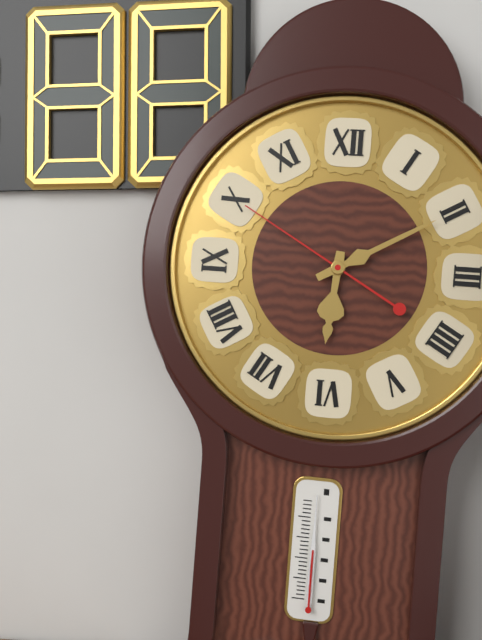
6:10:50
